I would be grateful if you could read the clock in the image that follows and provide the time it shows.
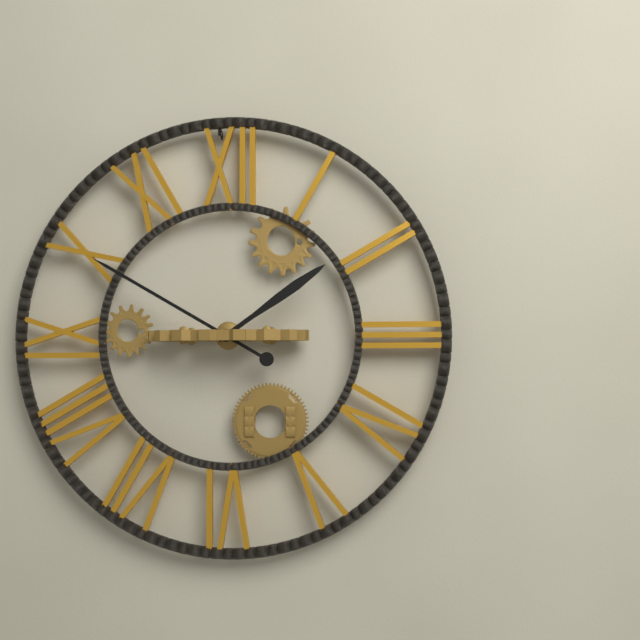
1:50
